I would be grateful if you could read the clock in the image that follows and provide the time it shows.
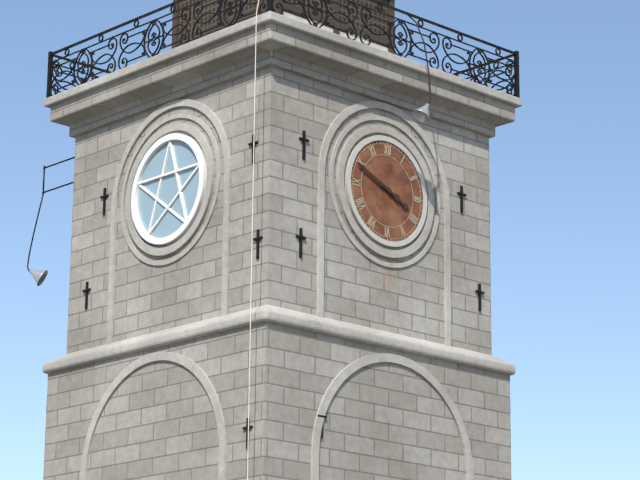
3:49
